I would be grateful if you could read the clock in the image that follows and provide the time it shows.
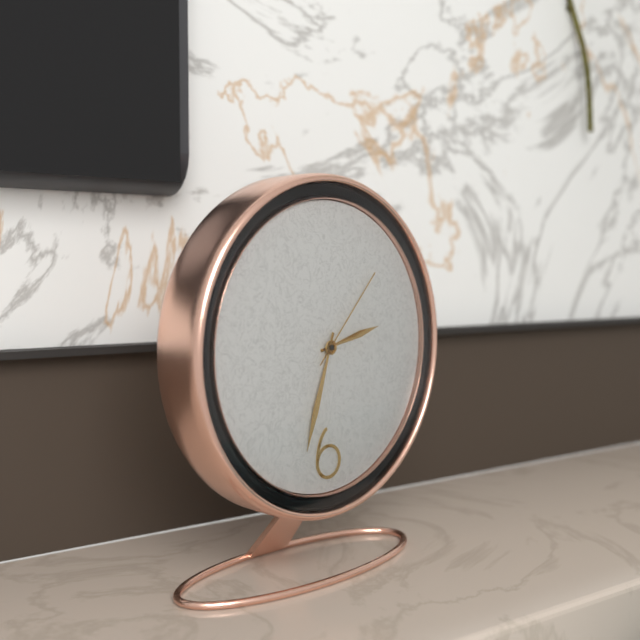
2:33:07
